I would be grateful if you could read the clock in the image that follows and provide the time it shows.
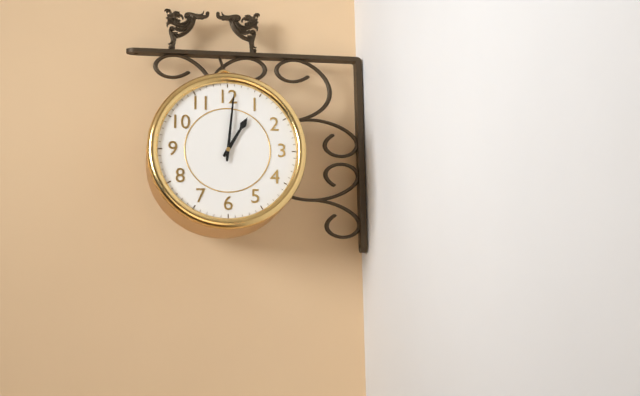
1:01
